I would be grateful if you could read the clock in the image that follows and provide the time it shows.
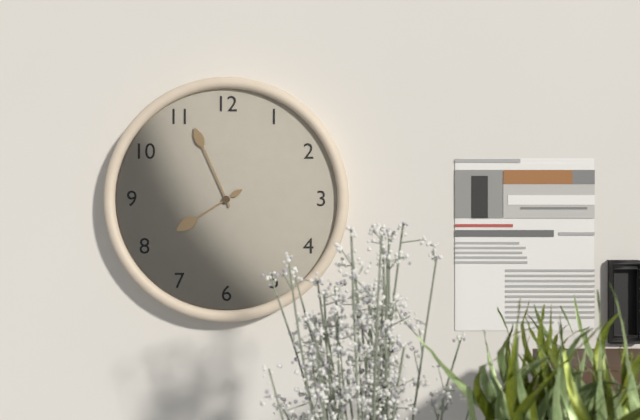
7:56
